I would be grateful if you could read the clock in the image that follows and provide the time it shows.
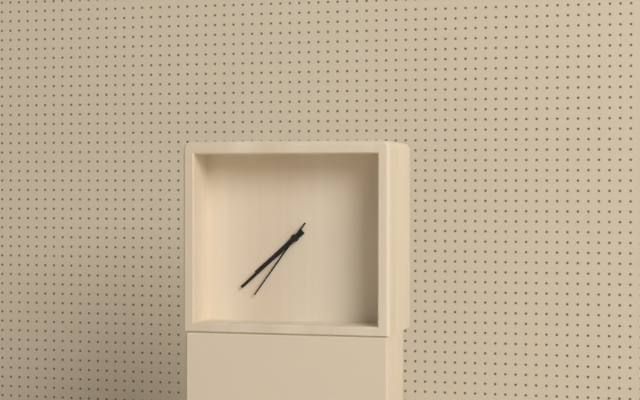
7:38:36
